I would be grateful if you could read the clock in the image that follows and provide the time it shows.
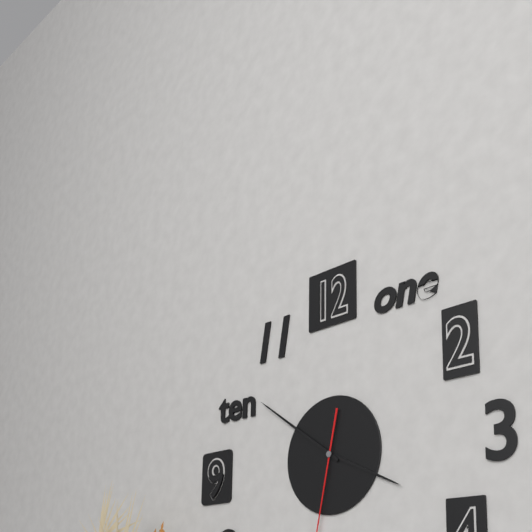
3:51
